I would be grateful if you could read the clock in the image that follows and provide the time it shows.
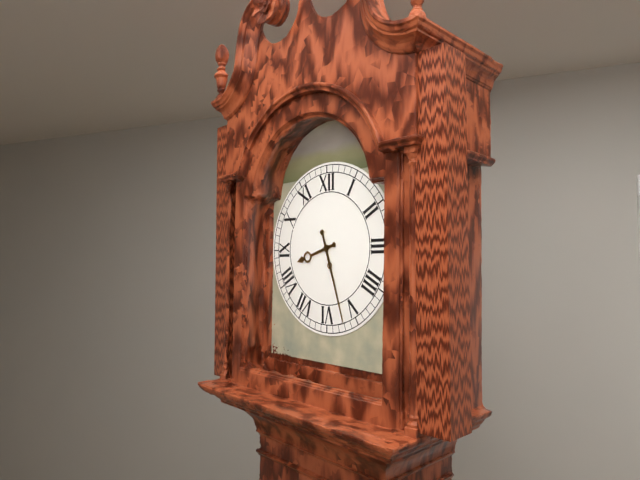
8:27
